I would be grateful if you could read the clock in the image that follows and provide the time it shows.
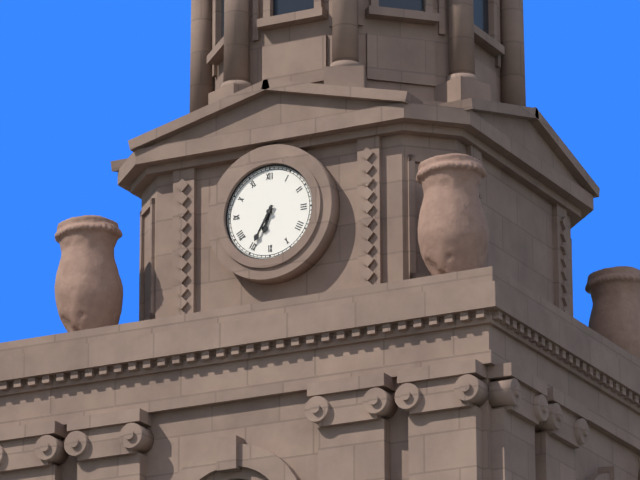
6:35
